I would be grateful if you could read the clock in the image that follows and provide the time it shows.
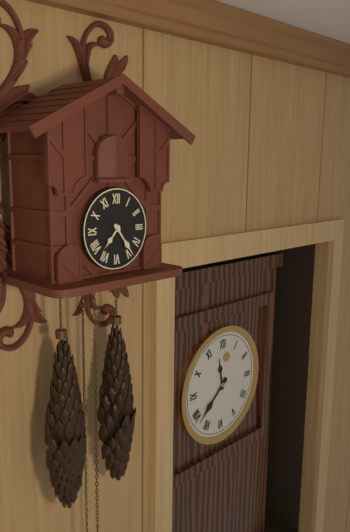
7:24
